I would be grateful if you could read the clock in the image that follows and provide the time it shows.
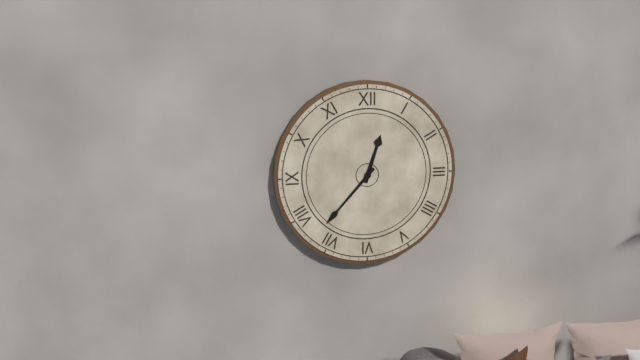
12:37
